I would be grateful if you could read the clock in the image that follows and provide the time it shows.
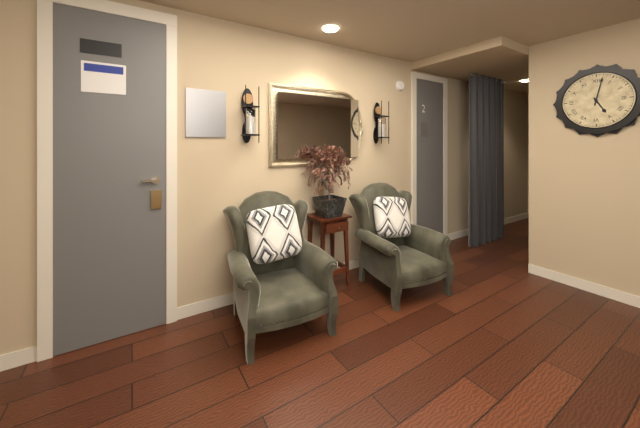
5:02
